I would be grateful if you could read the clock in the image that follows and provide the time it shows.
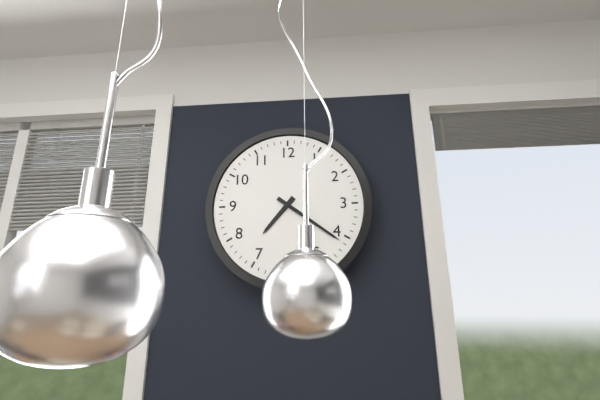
7:21
